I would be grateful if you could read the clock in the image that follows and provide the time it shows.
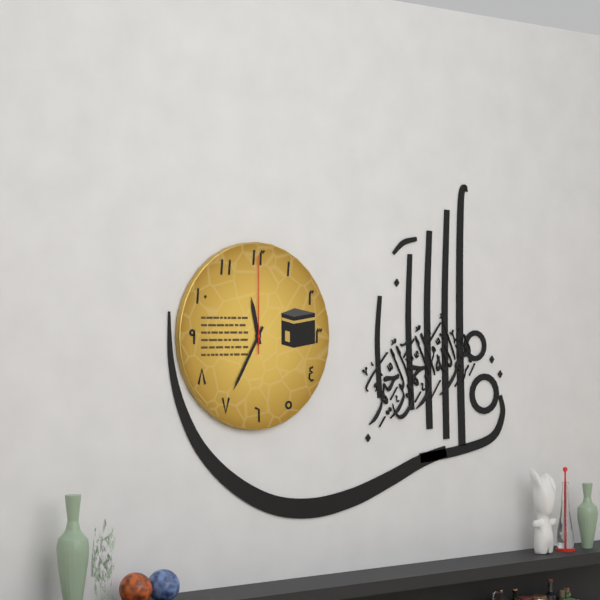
11:35:00
